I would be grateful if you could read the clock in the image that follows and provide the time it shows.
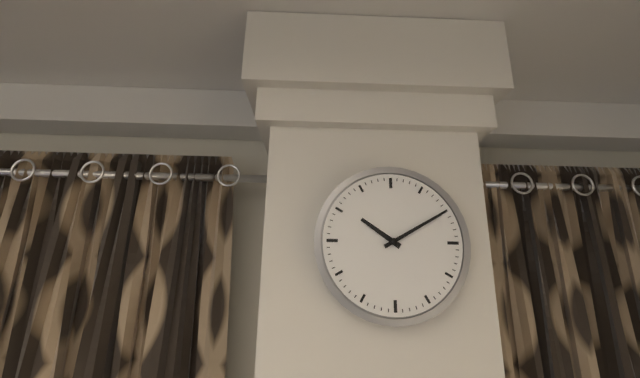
10:10
